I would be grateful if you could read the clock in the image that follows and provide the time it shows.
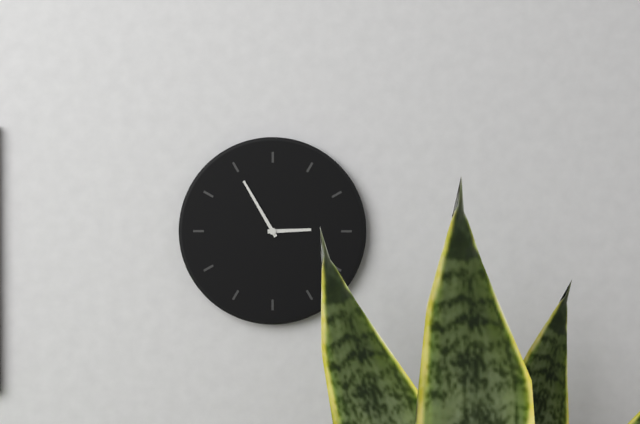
2:55
